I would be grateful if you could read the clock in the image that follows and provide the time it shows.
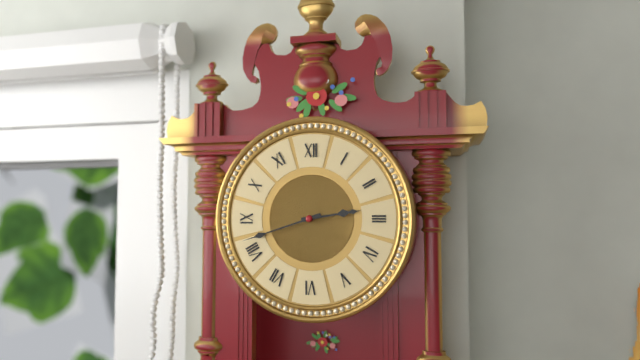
2:42
